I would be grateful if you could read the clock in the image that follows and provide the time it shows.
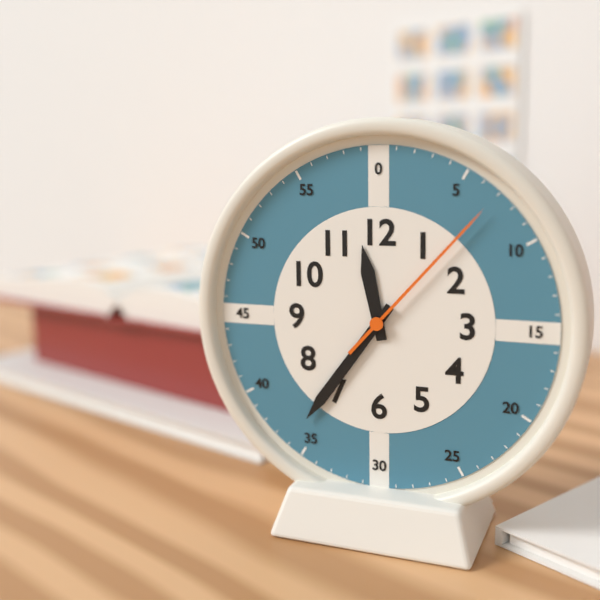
11:36:07
